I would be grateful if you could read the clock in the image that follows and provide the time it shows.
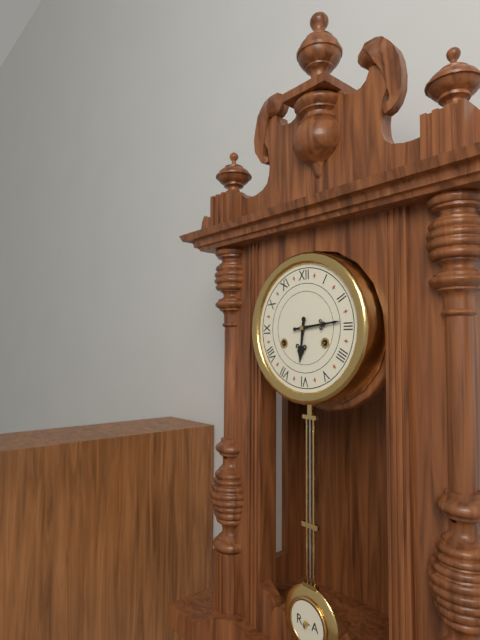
6:14
